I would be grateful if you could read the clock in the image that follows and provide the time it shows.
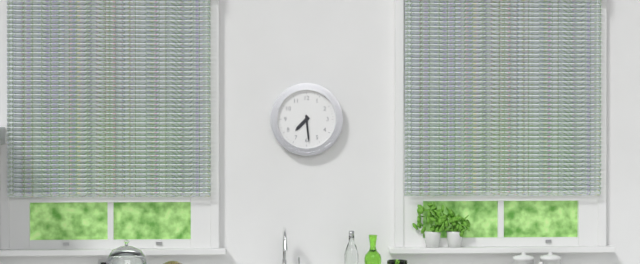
7:29
